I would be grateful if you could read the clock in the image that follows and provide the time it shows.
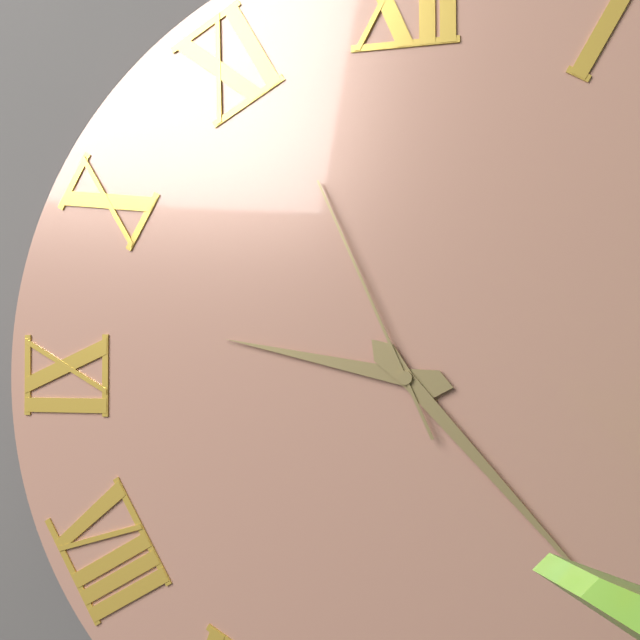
9:23:56
